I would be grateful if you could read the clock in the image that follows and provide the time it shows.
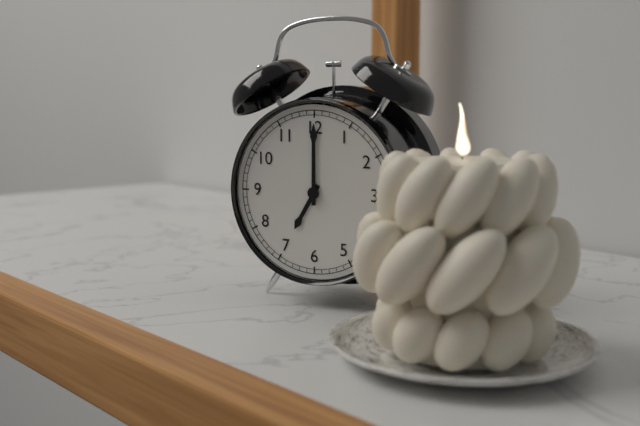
7:00
